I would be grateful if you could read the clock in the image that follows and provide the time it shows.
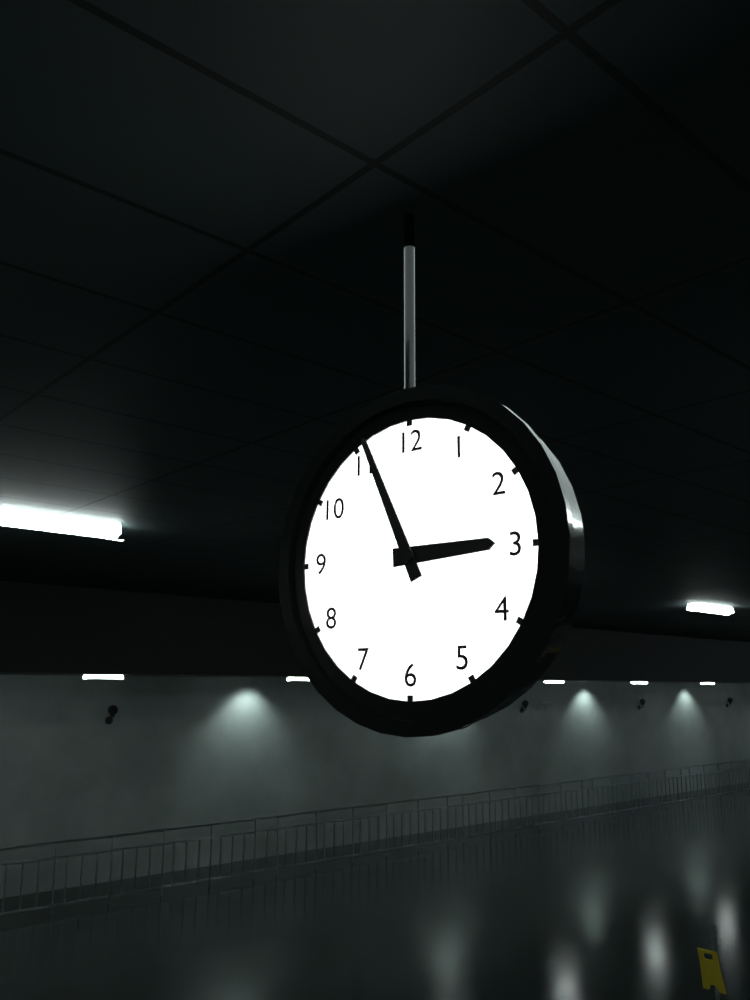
2:56
